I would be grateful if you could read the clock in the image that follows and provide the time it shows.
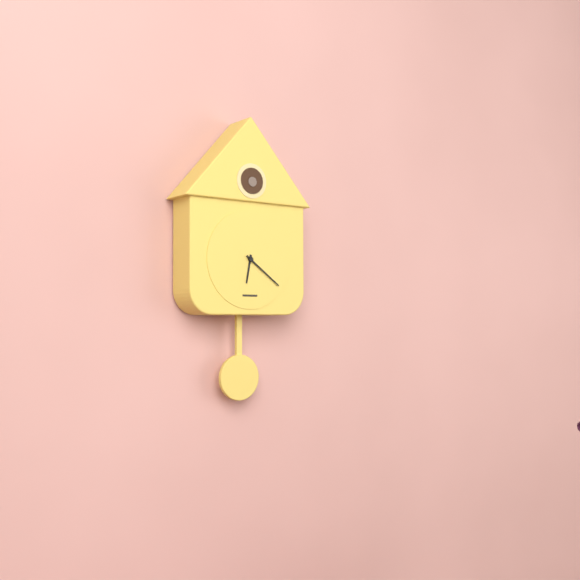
6:21
